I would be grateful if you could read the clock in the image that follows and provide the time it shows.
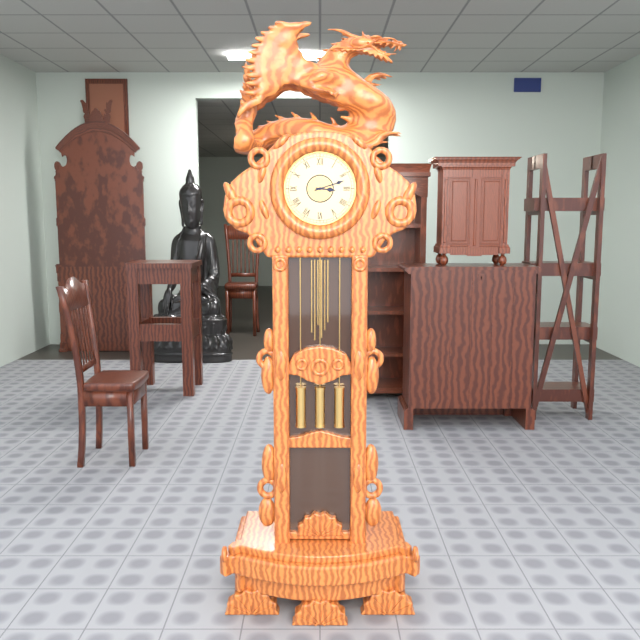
3:12
